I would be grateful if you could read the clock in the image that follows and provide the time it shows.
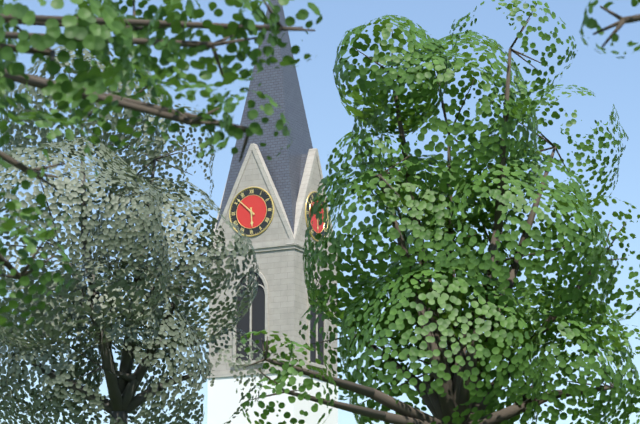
5:52
